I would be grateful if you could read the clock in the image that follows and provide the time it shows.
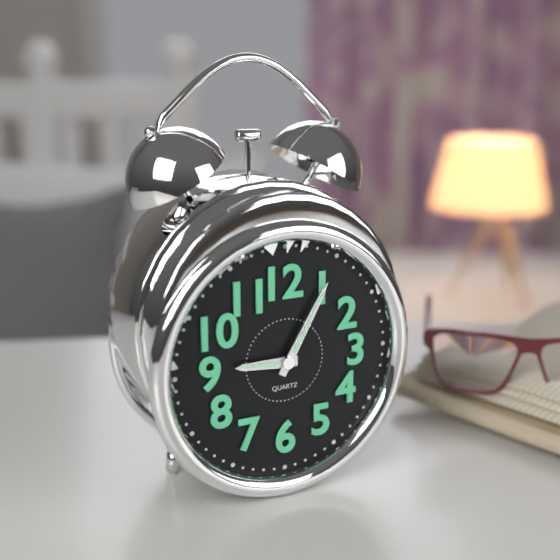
9:05
